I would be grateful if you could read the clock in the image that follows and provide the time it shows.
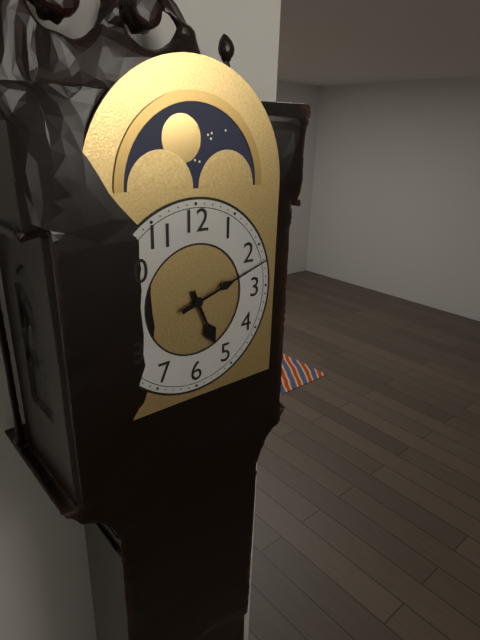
5:12
